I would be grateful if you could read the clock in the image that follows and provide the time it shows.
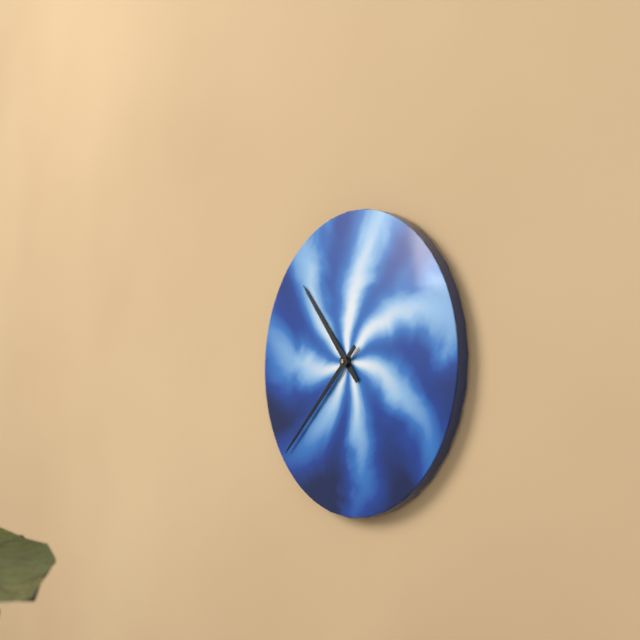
10:38
